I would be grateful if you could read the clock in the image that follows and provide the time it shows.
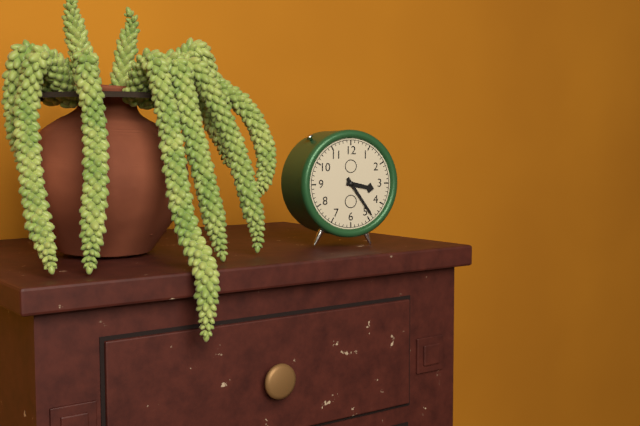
3:24
